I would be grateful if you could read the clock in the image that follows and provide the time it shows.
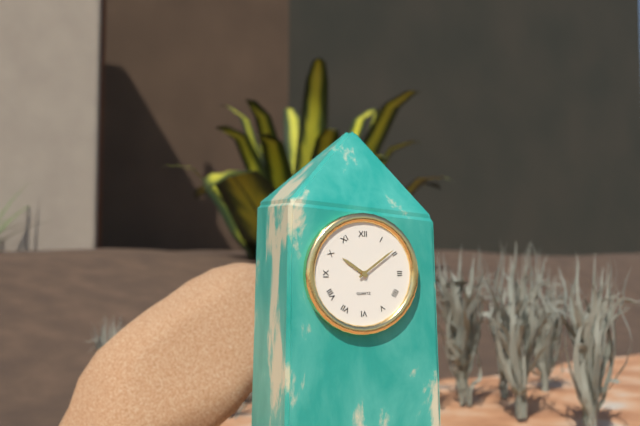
10:09
